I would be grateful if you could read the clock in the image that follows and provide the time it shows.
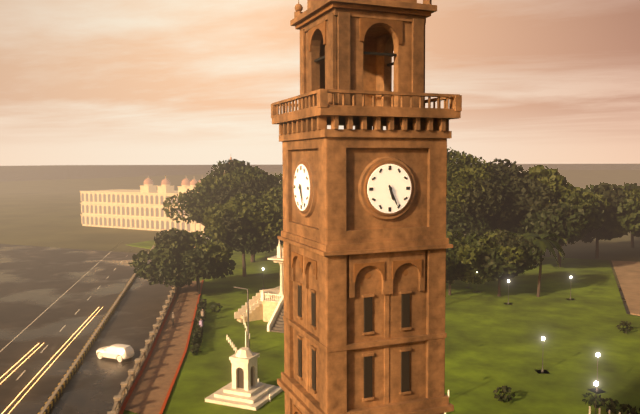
5:26
